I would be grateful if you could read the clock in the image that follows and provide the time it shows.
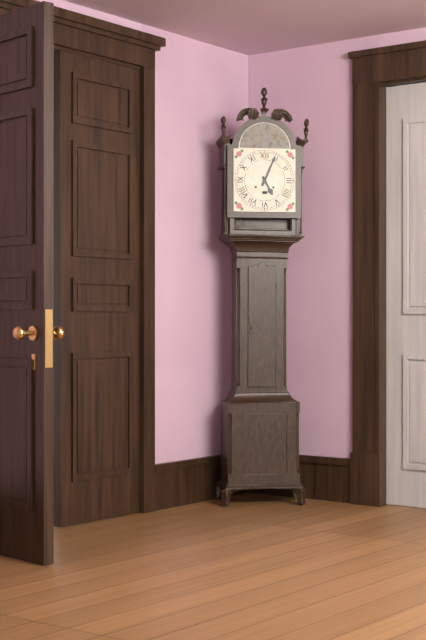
5:04
